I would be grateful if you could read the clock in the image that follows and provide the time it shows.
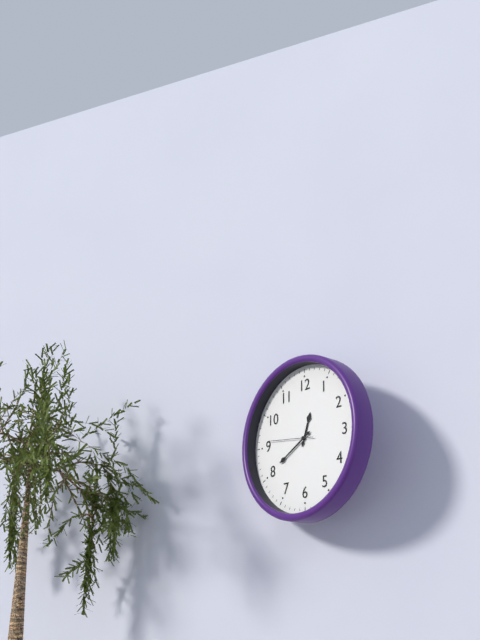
12:40
